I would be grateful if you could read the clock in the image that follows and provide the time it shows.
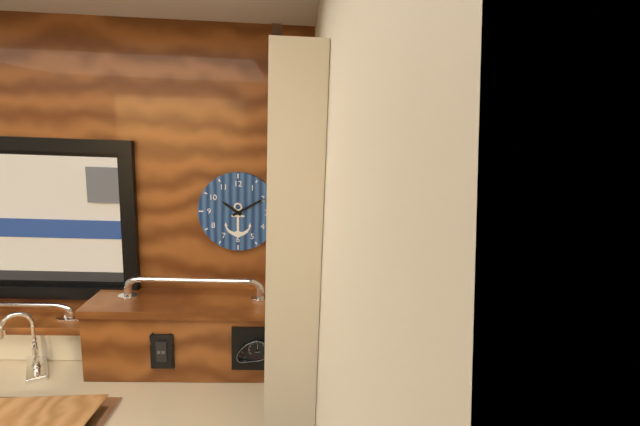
10:10
